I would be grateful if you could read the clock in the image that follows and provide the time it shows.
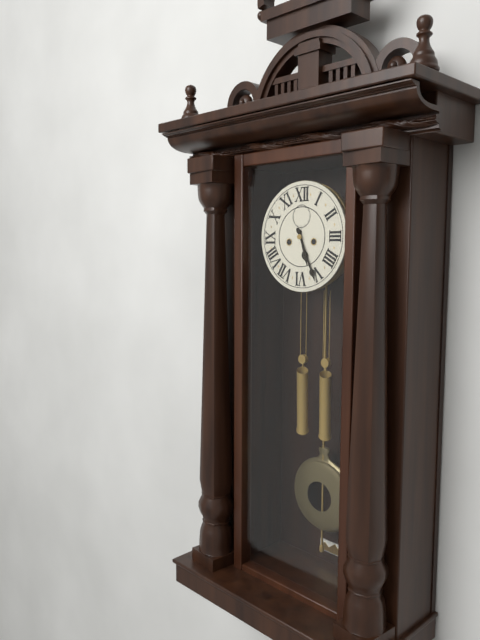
5:26
